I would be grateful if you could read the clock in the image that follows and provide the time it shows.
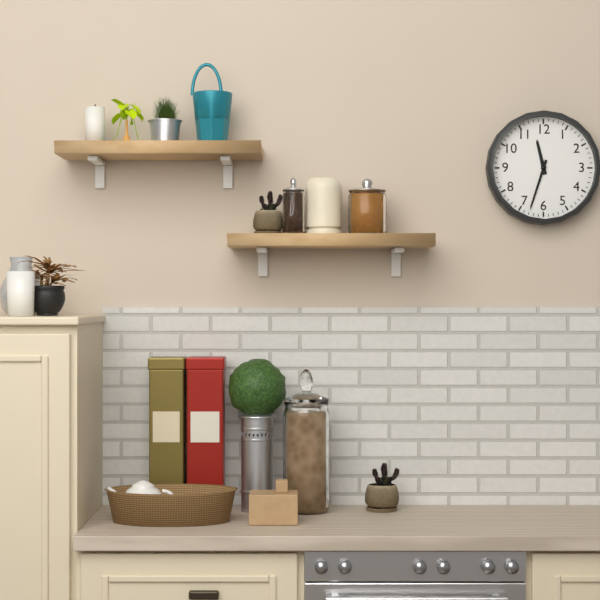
11:33
